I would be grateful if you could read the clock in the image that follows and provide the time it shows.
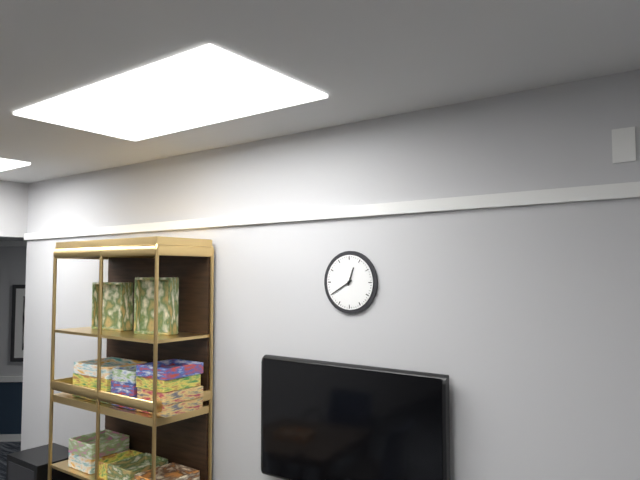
12:40
